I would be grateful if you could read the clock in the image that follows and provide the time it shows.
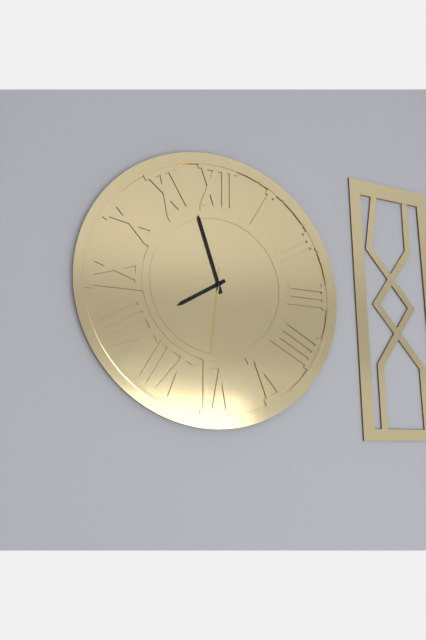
7:57:31
